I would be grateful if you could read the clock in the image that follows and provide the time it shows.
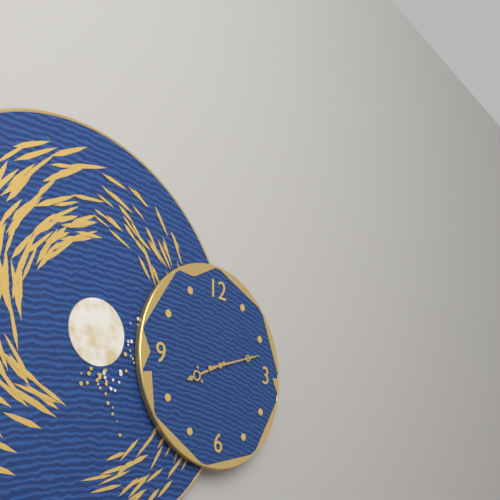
8:12
